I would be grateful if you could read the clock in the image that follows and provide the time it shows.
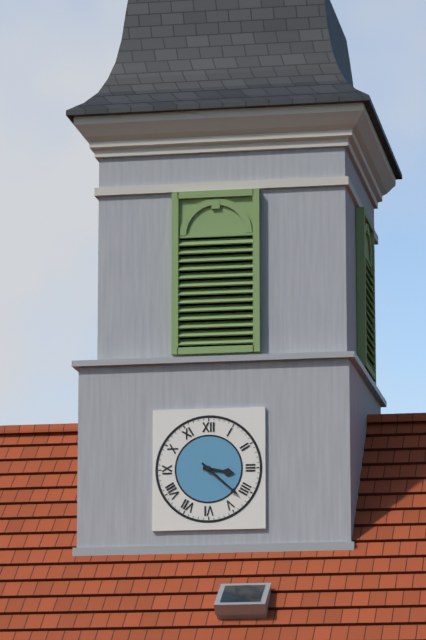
3:22
